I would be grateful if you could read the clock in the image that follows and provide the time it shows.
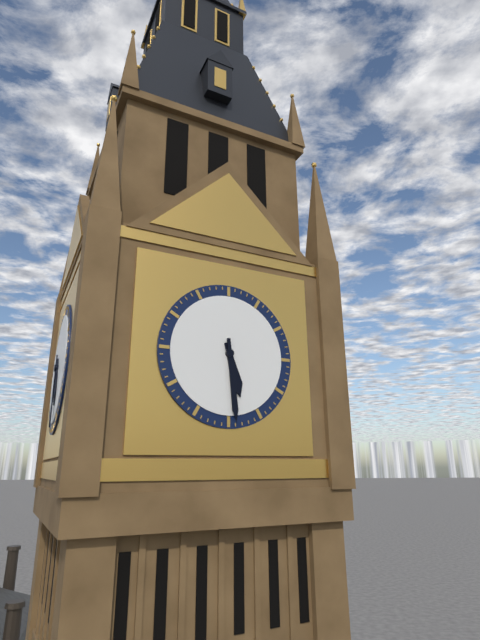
5:29
